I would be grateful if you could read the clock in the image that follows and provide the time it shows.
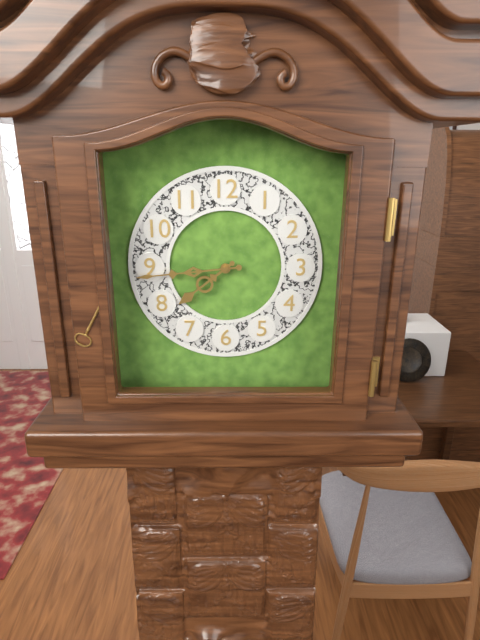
7:44
